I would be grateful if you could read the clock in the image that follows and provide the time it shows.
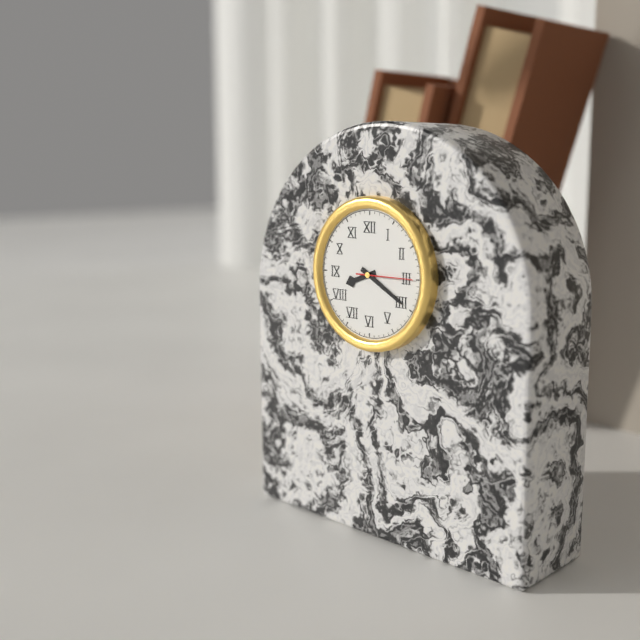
8:20:15
